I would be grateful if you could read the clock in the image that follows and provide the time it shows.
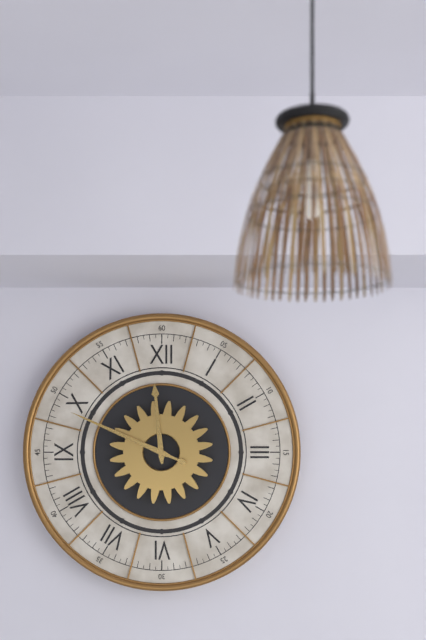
11:49
